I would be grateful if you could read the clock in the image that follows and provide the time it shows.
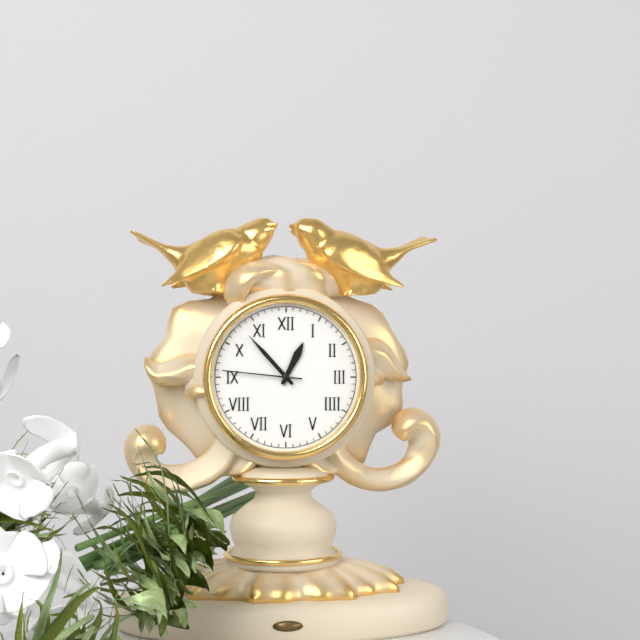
12:53:46
